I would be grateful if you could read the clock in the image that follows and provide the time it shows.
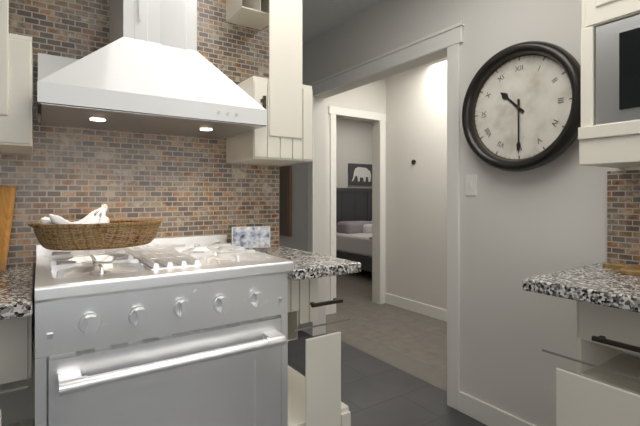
10:30
